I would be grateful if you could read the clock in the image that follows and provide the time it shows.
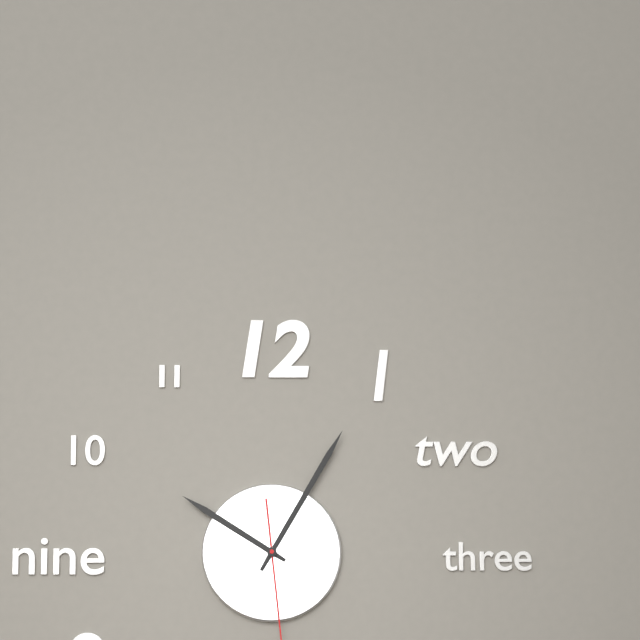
10:05
